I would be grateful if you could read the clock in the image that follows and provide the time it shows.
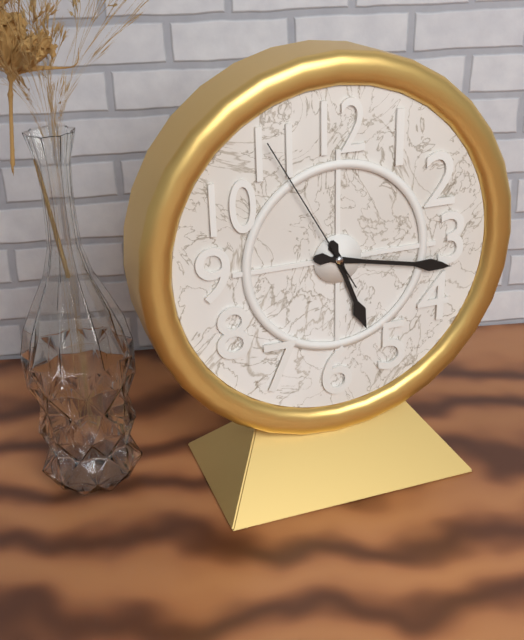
5:17:55
